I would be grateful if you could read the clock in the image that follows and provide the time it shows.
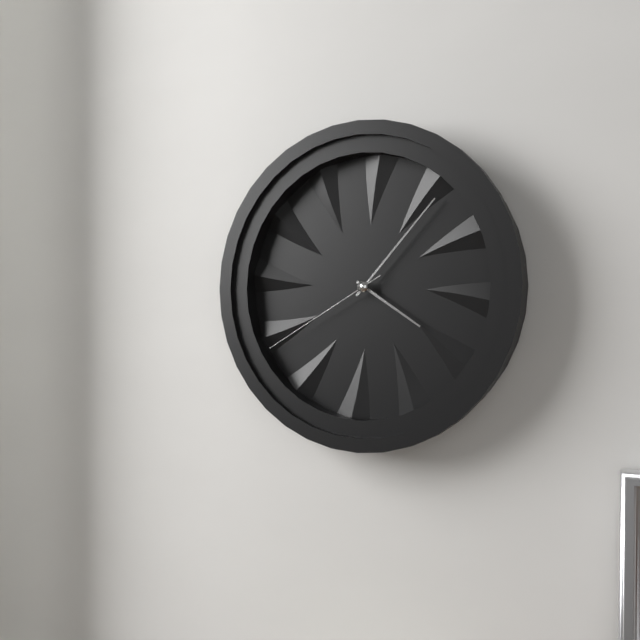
4:07:40
